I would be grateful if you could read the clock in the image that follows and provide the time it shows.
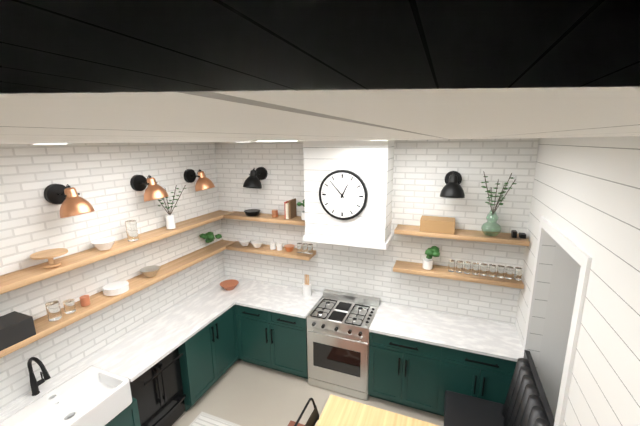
12:53
